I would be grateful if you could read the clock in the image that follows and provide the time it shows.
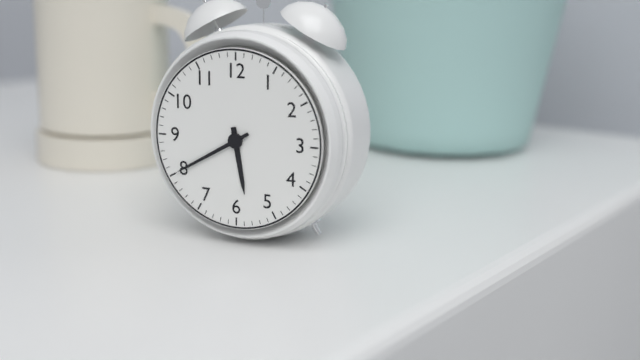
5:40
